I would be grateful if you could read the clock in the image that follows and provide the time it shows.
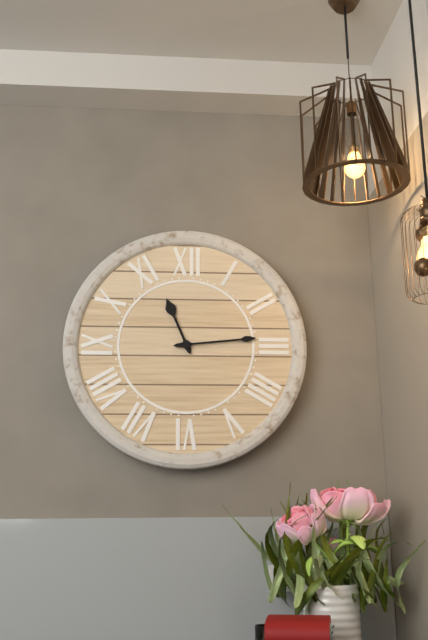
11:14
